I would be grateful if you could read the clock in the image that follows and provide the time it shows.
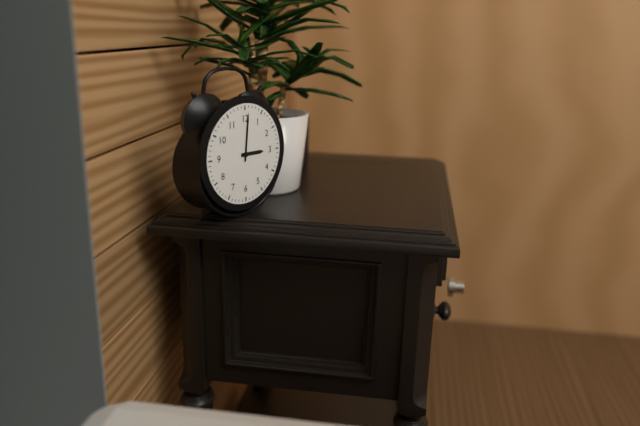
3:01
